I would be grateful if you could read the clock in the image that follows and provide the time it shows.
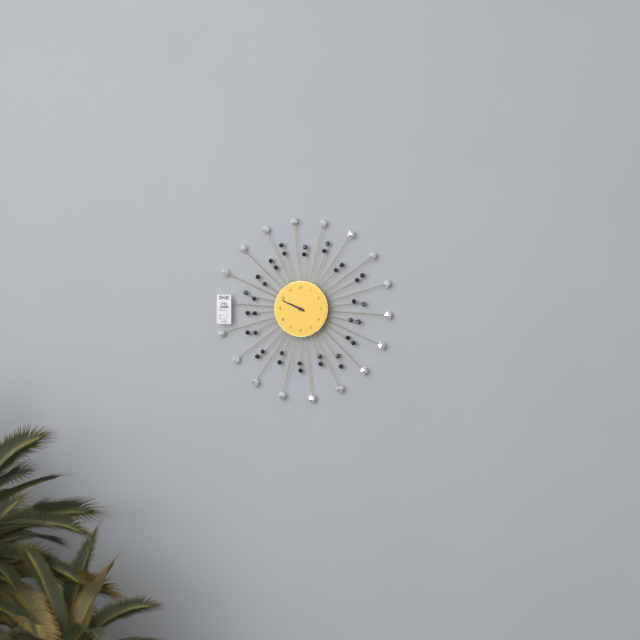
9:49
